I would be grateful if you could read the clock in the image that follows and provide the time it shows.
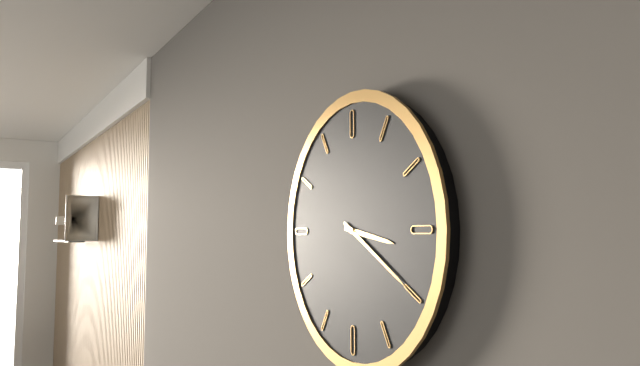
3:20
